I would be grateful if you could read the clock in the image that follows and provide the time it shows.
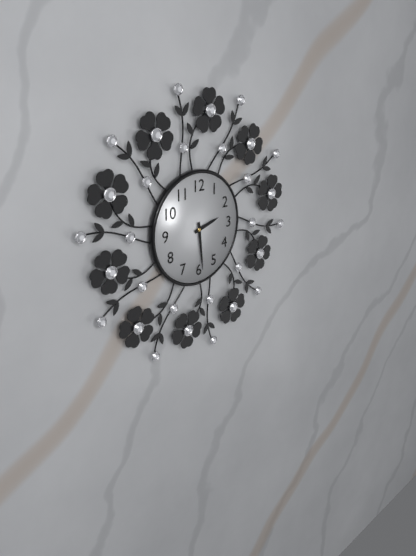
2:29
